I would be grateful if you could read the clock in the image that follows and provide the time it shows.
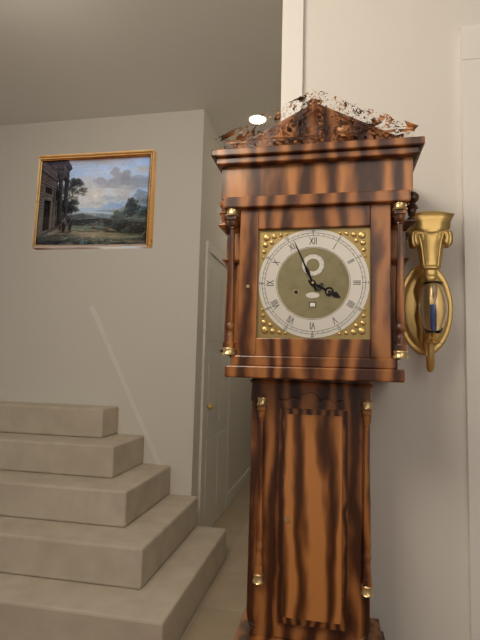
3:56
